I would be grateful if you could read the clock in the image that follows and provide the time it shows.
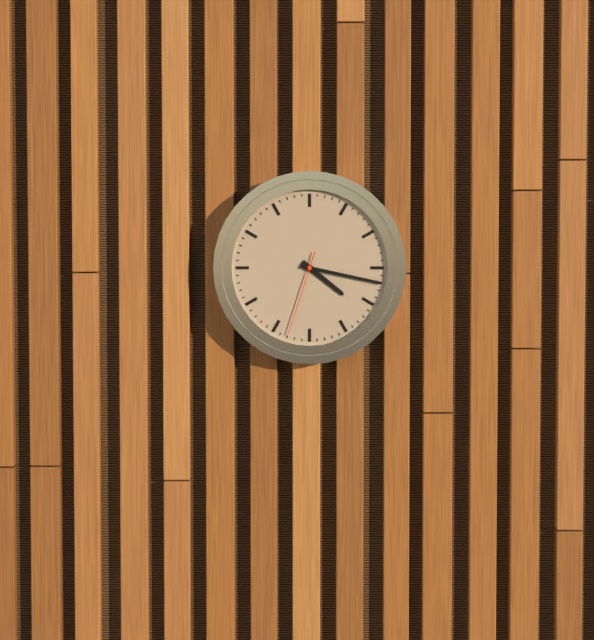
4:17:33
